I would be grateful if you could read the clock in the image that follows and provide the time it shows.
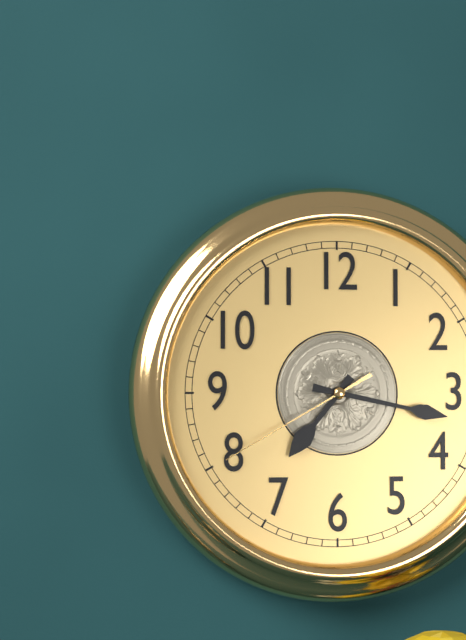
7:17:40
